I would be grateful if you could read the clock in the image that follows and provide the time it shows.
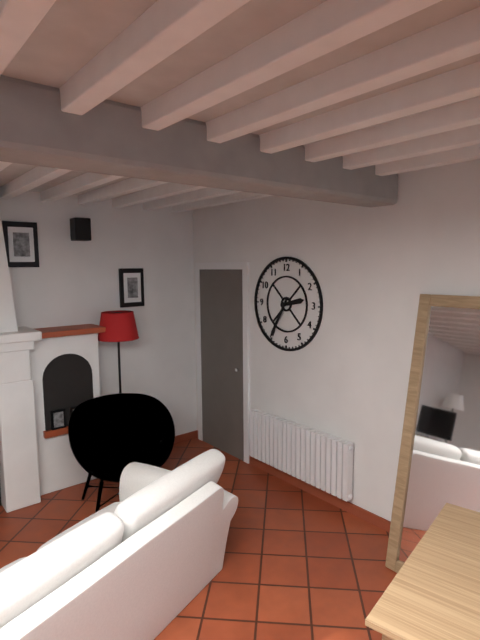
2:35
